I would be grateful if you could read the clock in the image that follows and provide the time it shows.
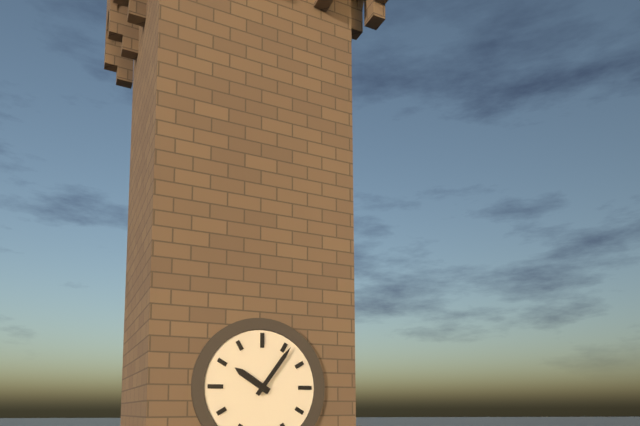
10:06
